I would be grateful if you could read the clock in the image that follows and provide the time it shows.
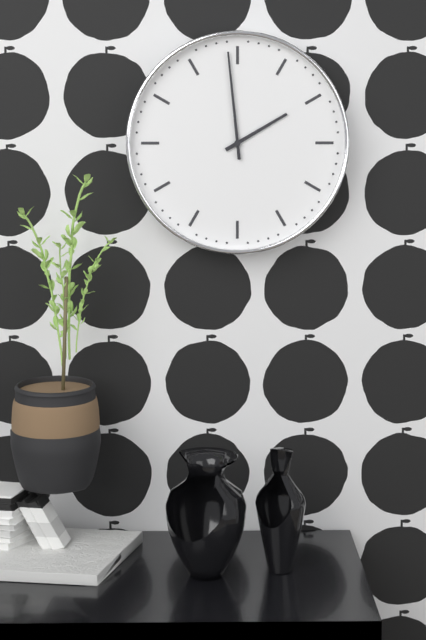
1:59
